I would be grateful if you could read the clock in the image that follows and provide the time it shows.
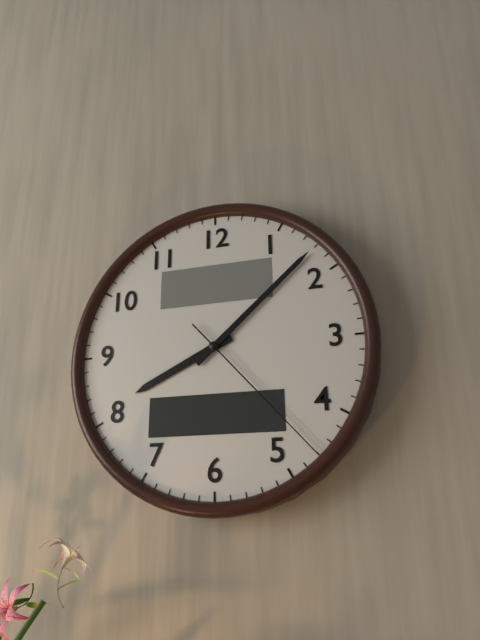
8:08:23
